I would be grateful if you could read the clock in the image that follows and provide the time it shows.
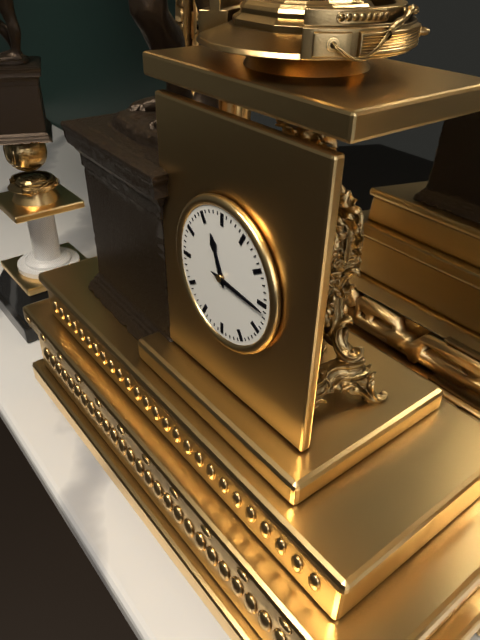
11:16
